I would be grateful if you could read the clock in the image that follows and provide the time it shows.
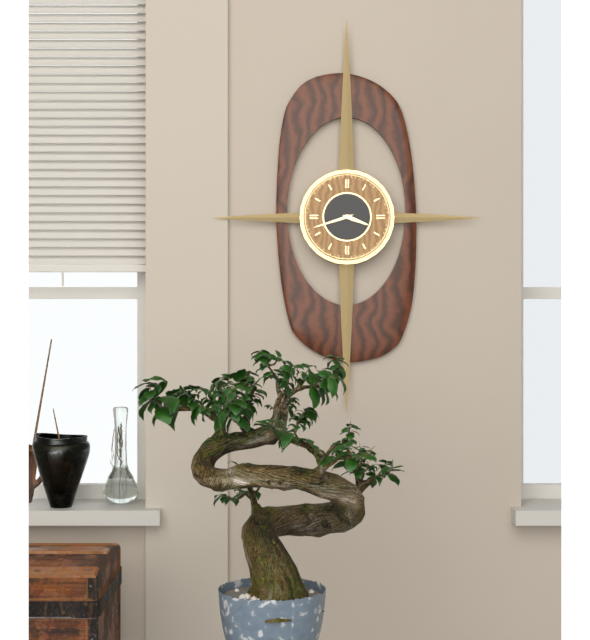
3:42
